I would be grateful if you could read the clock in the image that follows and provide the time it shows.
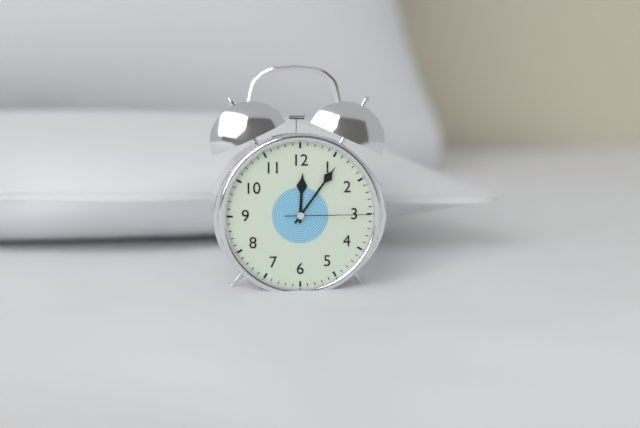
12:06:15
